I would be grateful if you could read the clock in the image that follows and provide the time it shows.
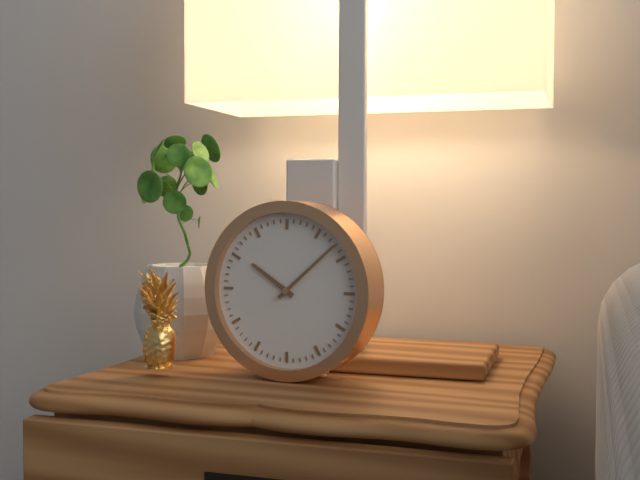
10:08
